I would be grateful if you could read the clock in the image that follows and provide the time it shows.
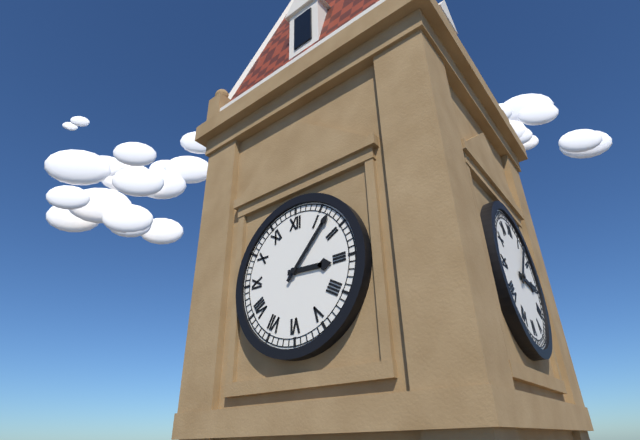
3:07
